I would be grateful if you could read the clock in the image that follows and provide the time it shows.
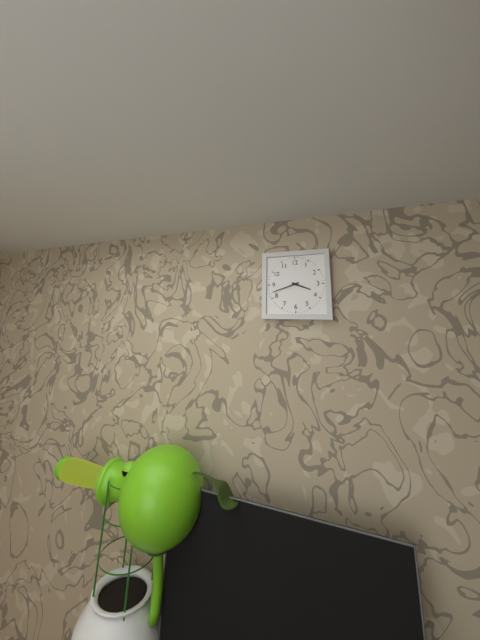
3:42
